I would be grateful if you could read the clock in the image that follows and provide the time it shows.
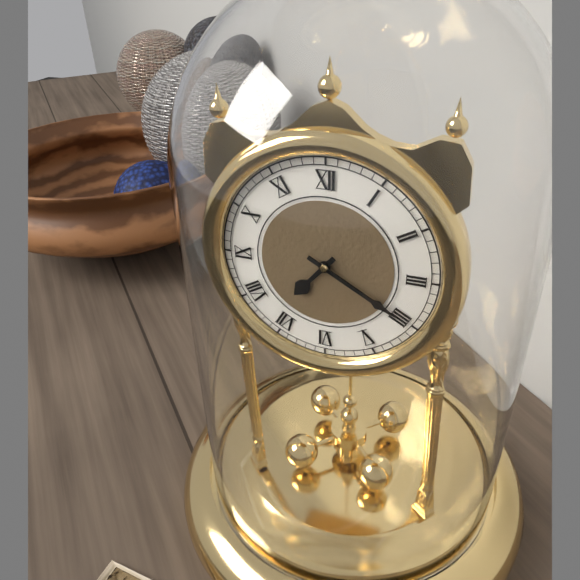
7:20
